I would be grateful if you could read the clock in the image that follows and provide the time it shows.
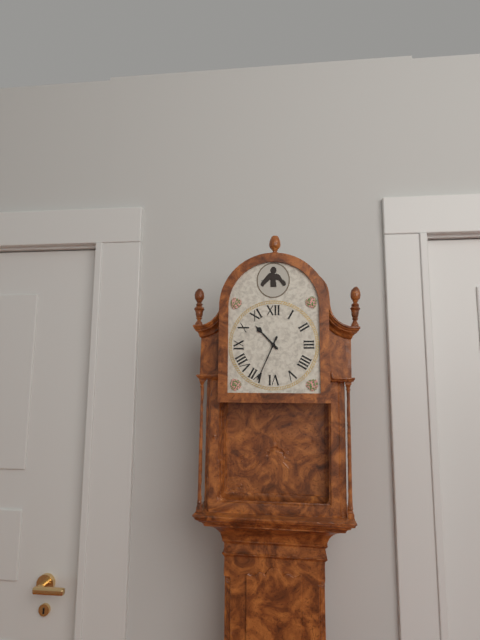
10:34
